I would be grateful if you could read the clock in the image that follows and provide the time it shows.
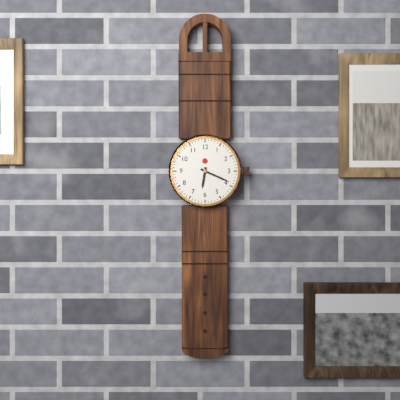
6:19
